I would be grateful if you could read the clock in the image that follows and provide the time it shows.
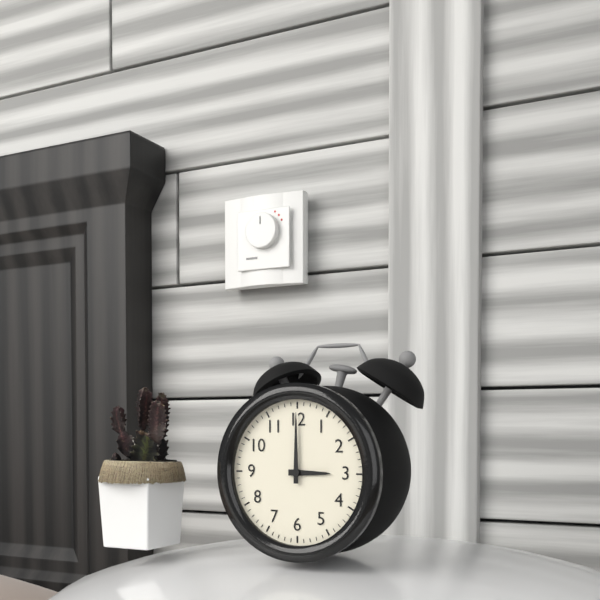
3:00
